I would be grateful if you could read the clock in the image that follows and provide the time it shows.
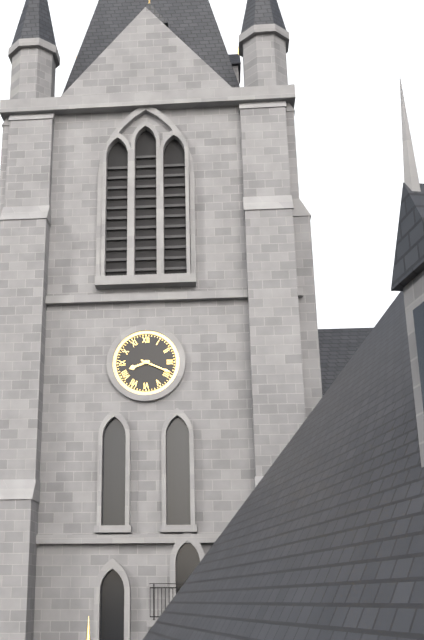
8:19
